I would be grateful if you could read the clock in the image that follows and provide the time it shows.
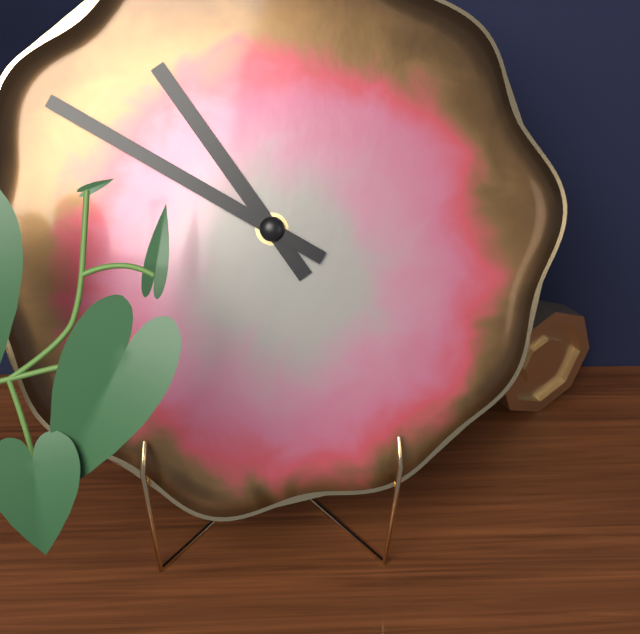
10:50
